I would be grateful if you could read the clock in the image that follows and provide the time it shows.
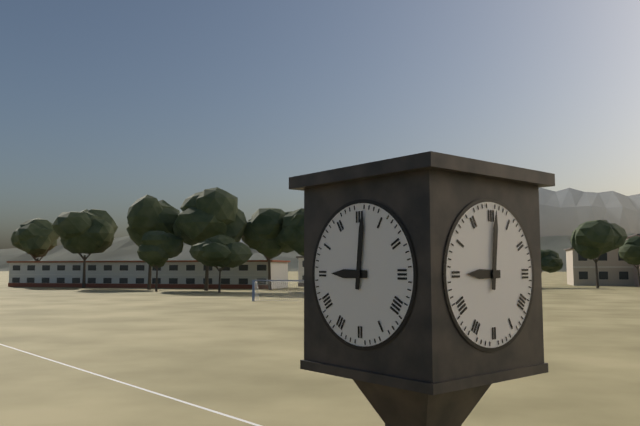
9:01
